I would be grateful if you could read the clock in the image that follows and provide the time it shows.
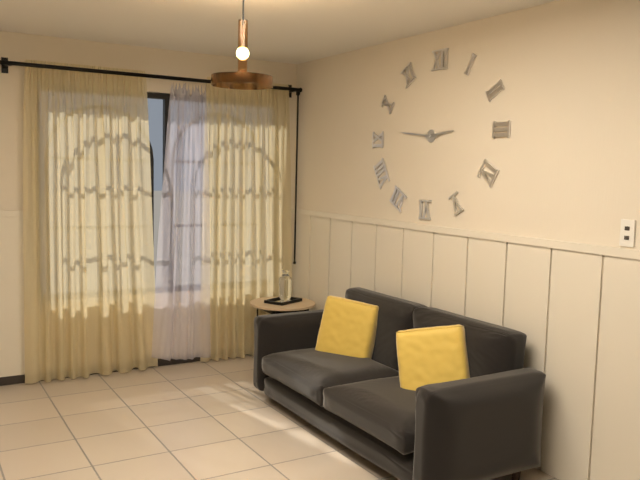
2:46
